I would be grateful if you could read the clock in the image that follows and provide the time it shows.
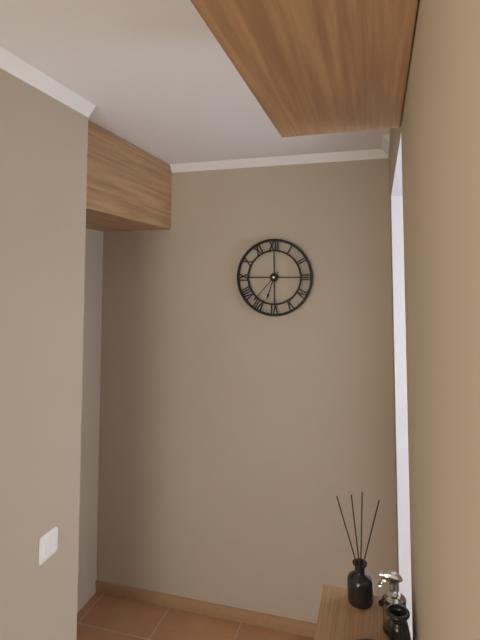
6:37
